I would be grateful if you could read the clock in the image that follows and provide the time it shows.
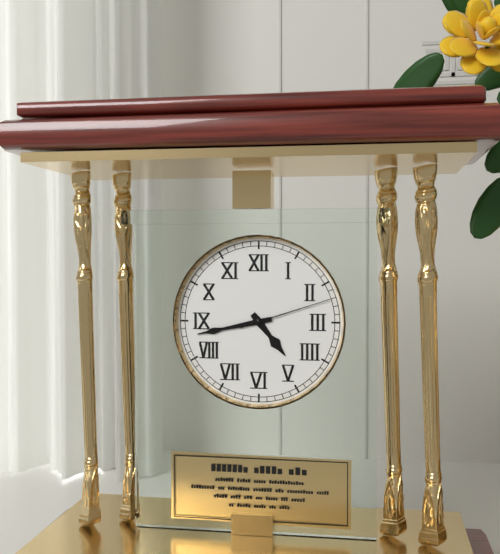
4:43:12
